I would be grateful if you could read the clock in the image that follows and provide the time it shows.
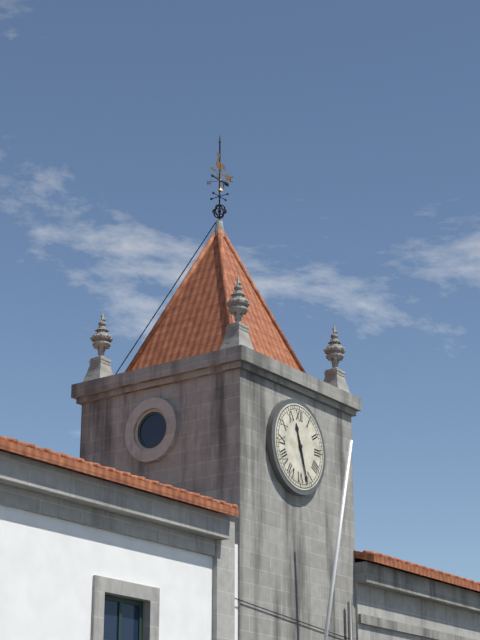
11:27
